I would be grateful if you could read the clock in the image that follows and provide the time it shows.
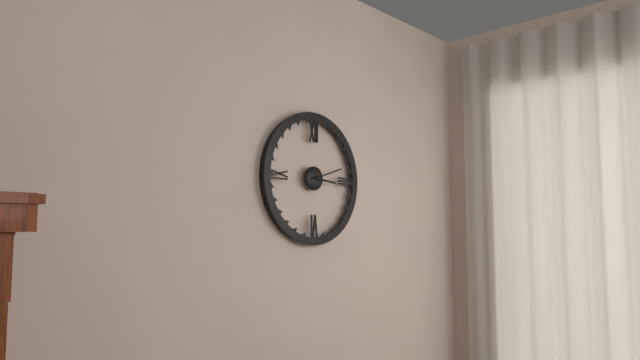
3:12
